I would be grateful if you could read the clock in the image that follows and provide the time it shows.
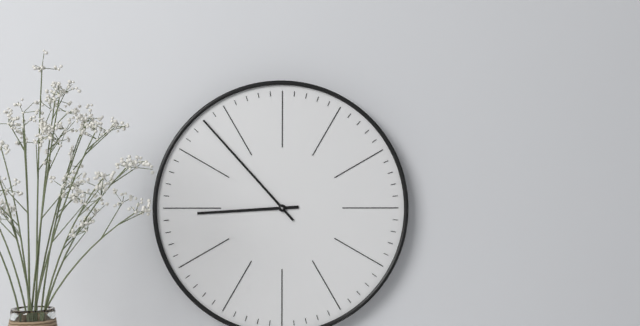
8:53
